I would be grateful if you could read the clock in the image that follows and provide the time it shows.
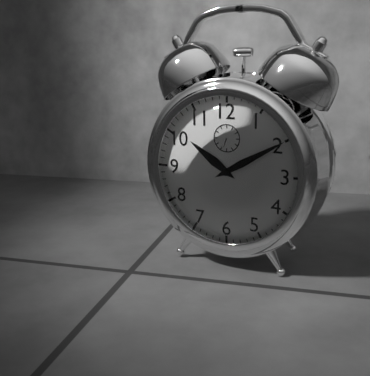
10:10
